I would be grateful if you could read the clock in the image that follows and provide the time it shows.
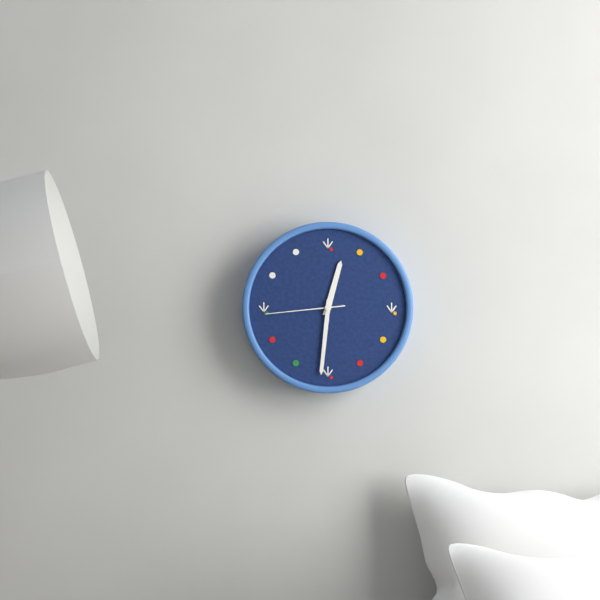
12:31:44
